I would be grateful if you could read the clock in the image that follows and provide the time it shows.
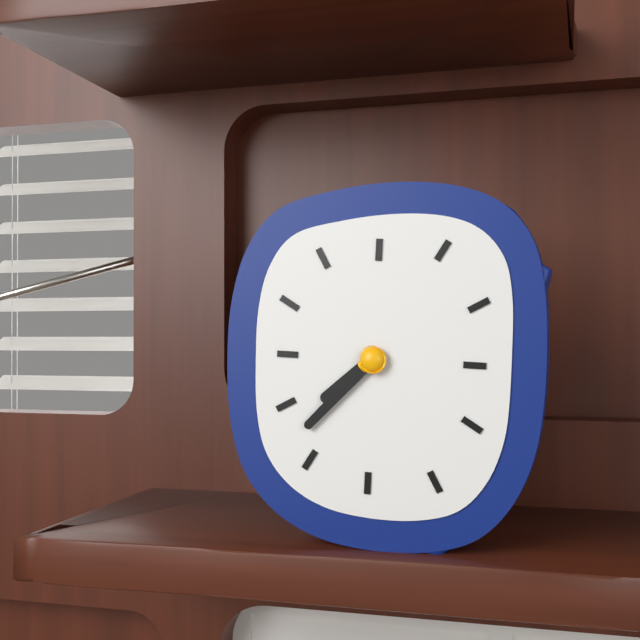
7:37
